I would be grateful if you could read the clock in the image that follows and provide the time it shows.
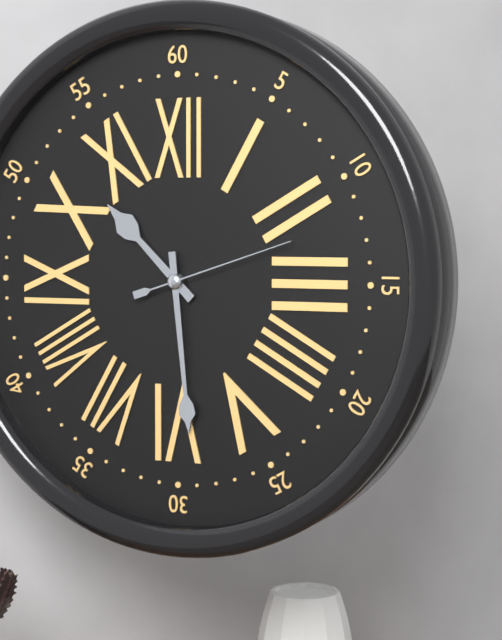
10:29:12
